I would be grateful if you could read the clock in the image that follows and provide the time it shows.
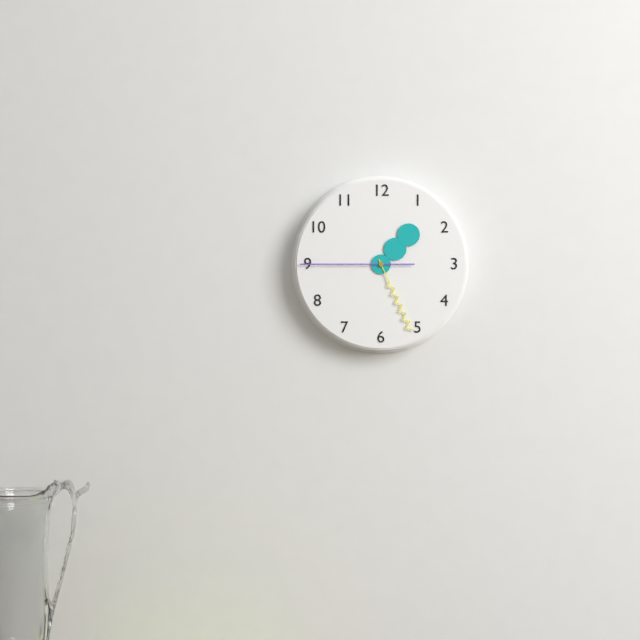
1:26:45
